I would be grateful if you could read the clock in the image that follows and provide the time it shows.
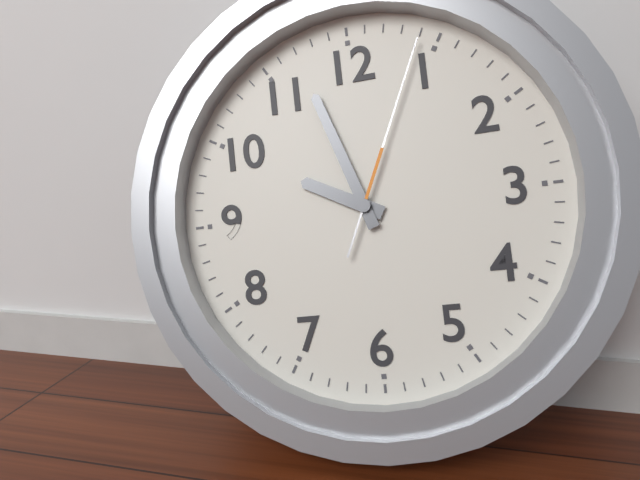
9:57:04
